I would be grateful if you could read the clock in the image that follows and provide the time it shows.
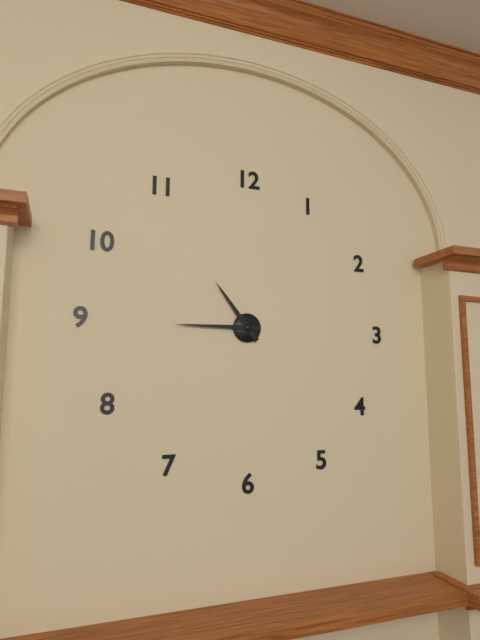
10:45
